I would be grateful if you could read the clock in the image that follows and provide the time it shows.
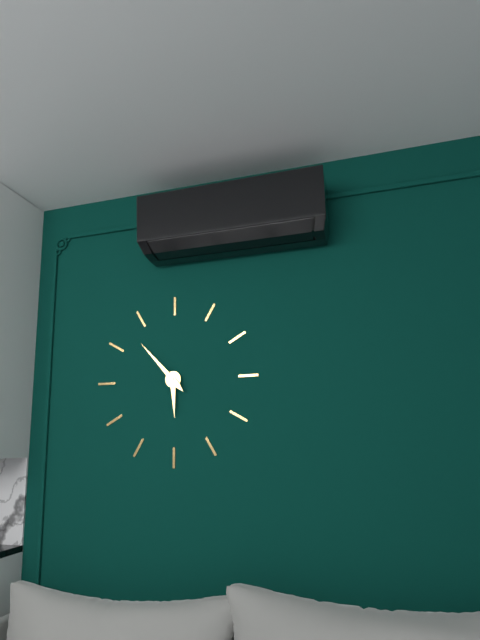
5:53
